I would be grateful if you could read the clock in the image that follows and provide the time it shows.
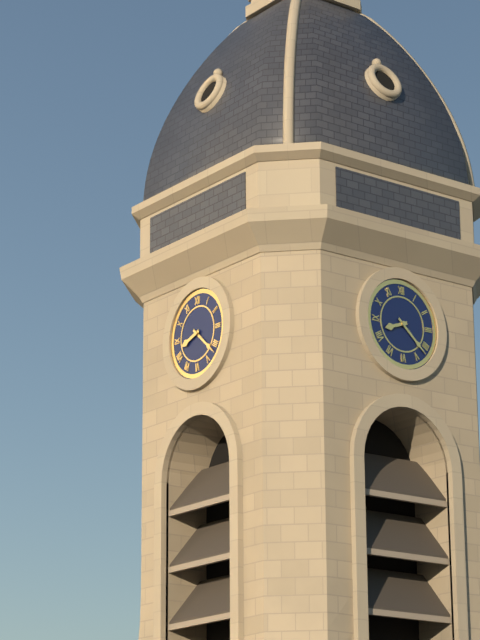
8:22
